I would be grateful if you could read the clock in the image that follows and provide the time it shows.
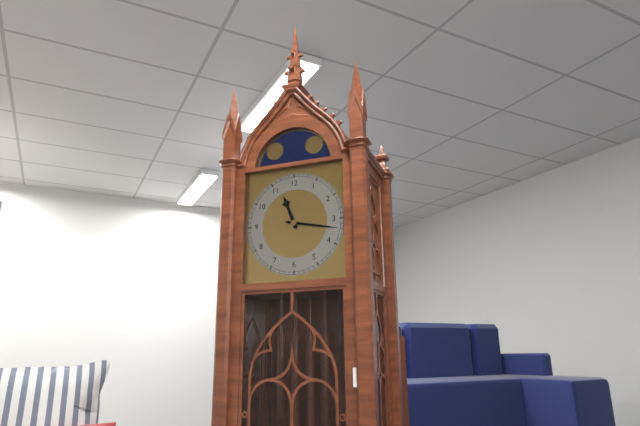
11:17
